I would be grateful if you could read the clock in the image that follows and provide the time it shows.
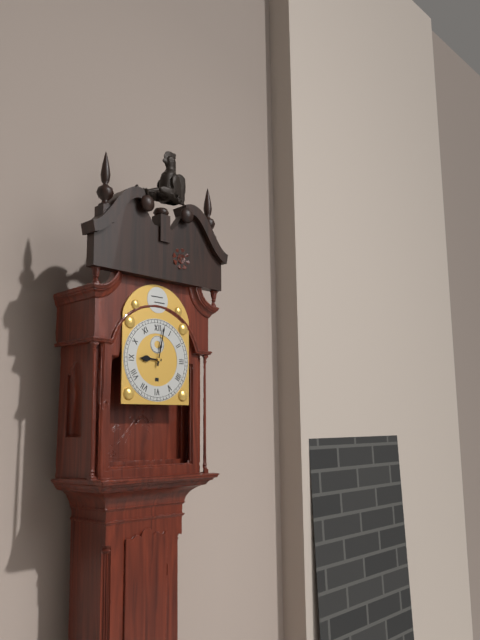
9:02
